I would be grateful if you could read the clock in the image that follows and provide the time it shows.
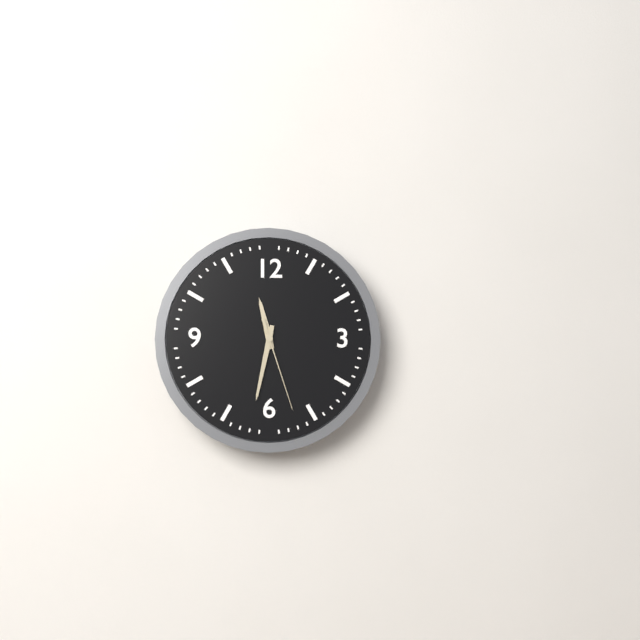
11:32:27
